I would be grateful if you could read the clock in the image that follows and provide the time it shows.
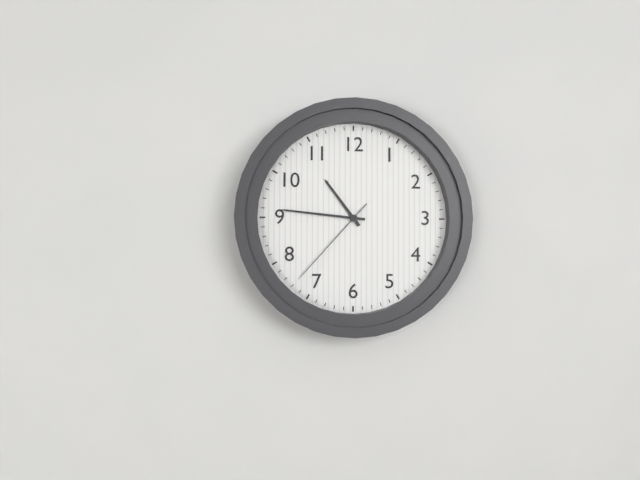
10:46:37
